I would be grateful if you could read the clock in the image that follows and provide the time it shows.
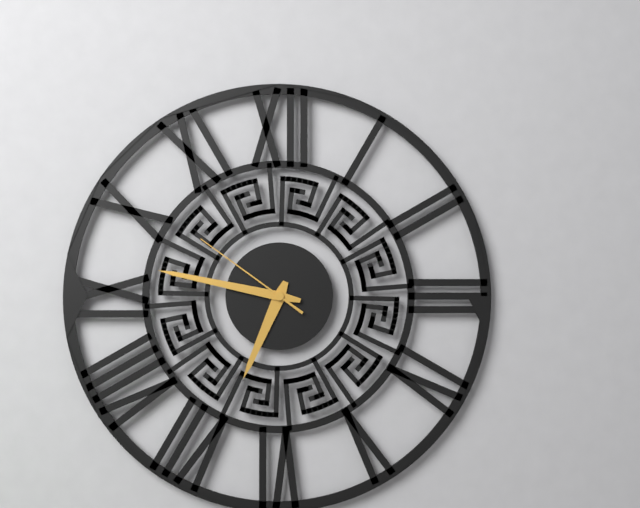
6:47:51
